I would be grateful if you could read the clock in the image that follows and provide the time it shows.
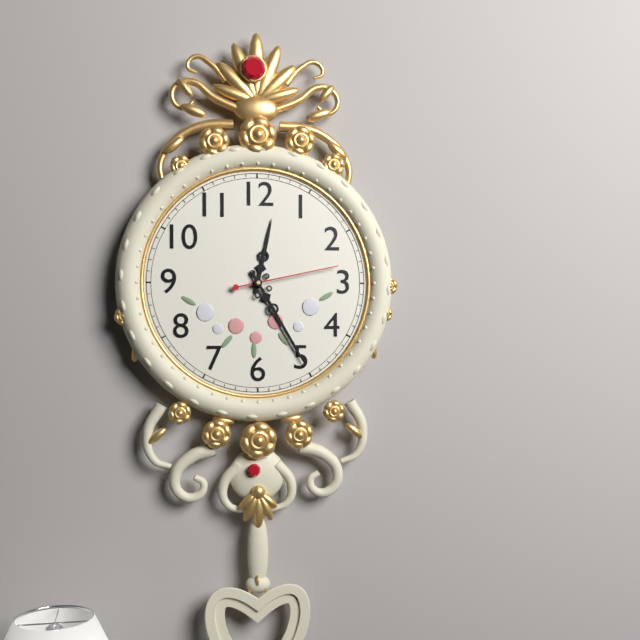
12:25:13
